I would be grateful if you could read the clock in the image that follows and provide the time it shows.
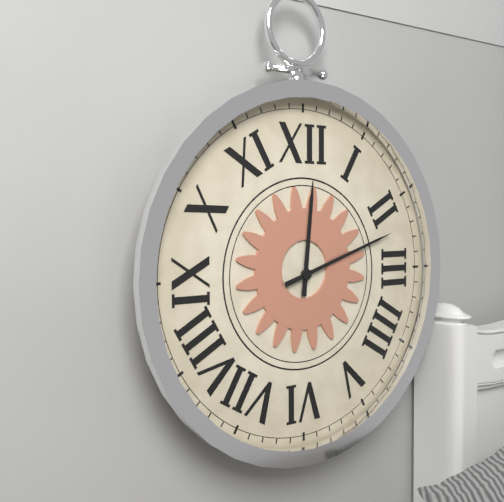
12:12
